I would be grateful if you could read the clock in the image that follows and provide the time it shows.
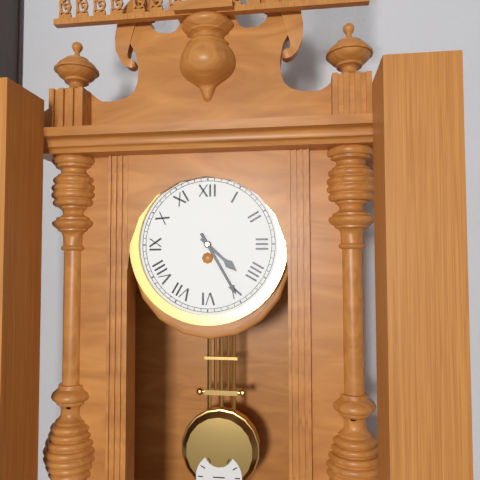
4:25
